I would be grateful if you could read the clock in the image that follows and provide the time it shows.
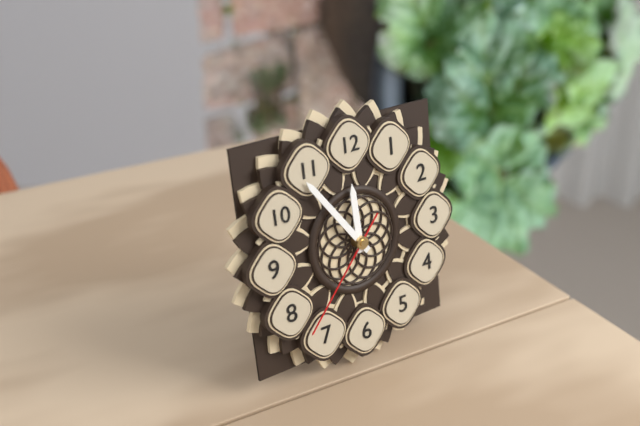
11:54:37
